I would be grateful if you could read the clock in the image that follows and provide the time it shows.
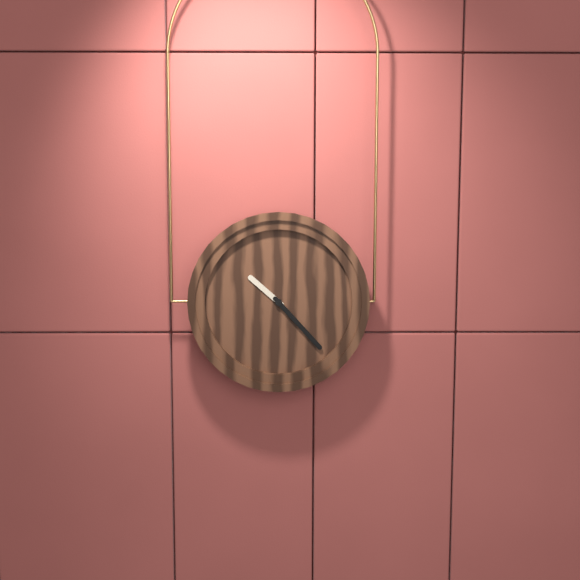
10:23
